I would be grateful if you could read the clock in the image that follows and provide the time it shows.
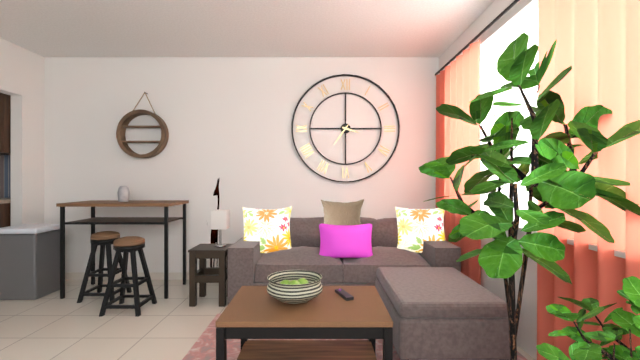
3:36
